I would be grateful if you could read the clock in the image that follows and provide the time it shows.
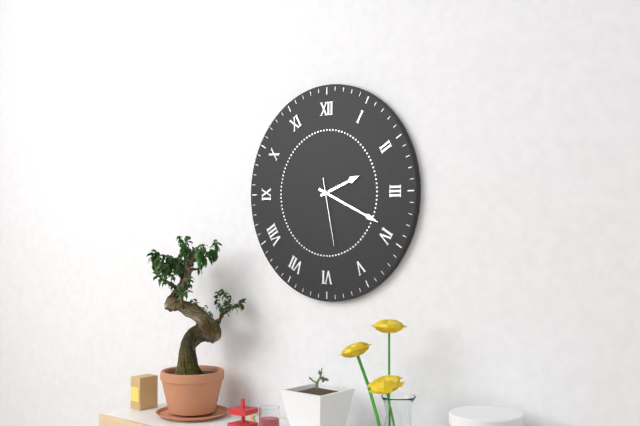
2:19:28
